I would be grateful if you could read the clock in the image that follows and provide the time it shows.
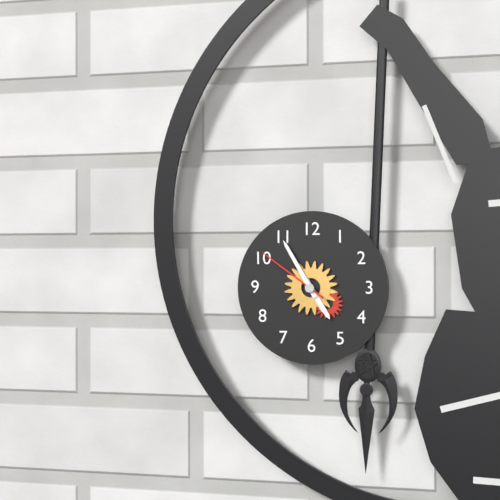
4:55:51
